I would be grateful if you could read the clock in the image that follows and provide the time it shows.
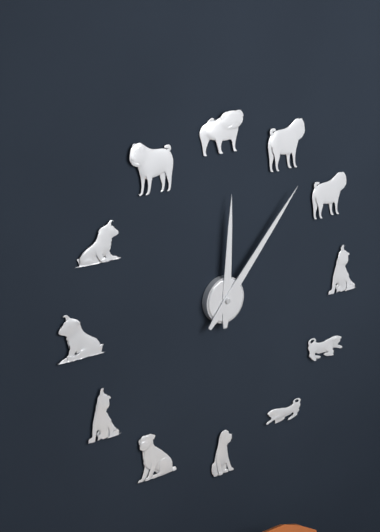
12:07
